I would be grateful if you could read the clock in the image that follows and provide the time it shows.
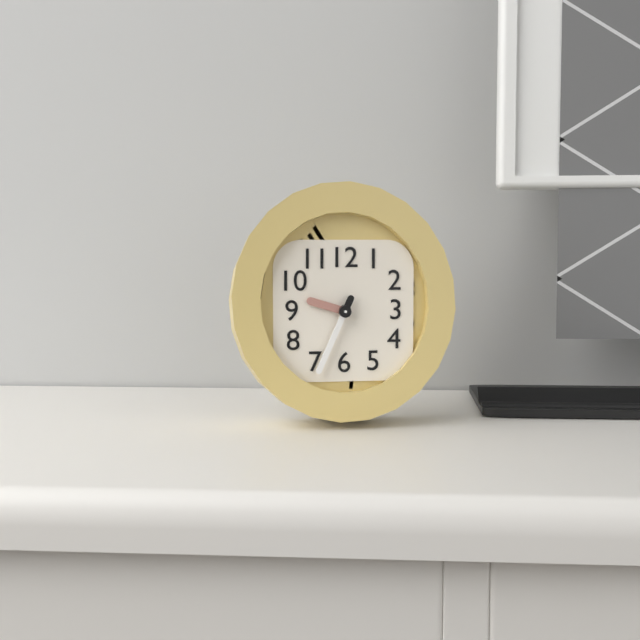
9:34
